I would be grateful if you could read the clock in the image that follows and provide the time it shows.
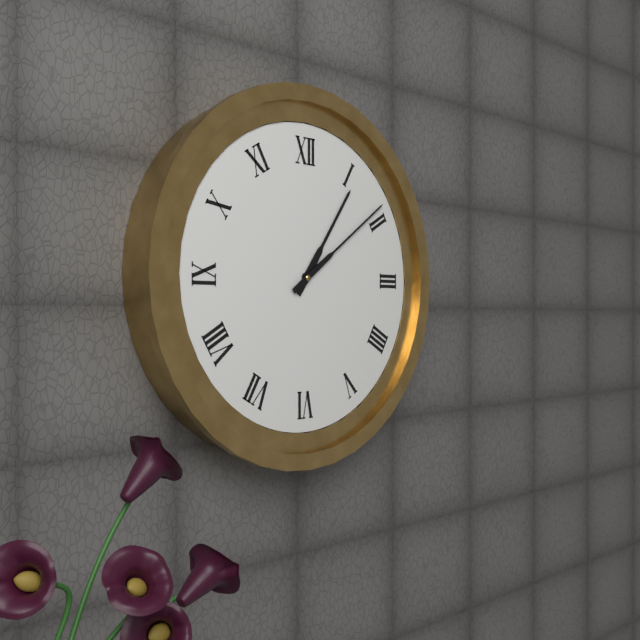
1:09
